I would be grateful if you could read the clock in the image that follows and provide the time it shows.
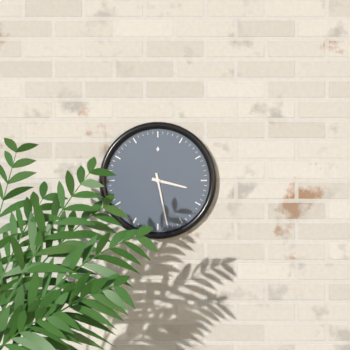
3:28
